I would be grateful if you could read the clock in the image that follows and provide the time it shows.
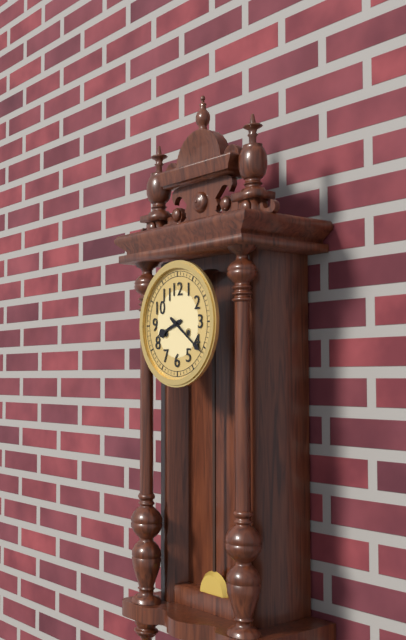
8:21
